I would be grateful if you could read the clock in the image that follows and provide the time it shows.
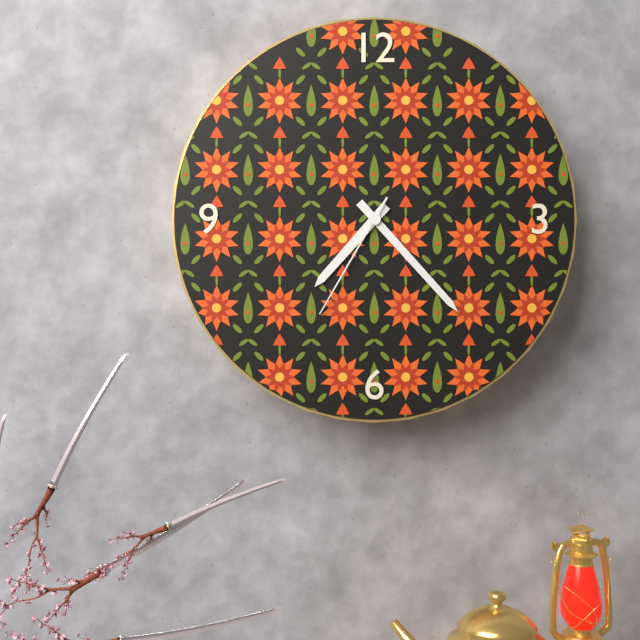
7:23:35
